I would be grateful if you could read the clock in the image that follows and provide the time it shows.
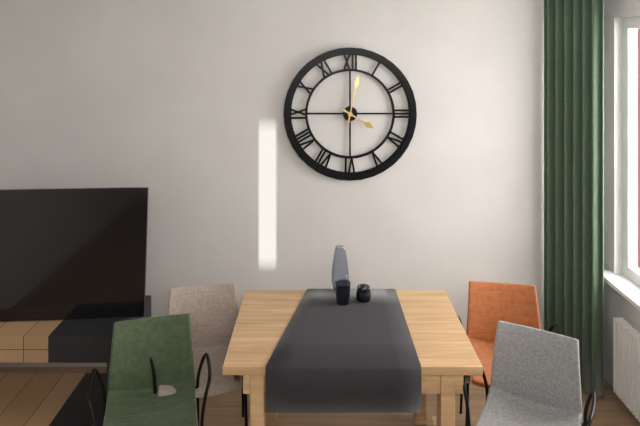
4:02
